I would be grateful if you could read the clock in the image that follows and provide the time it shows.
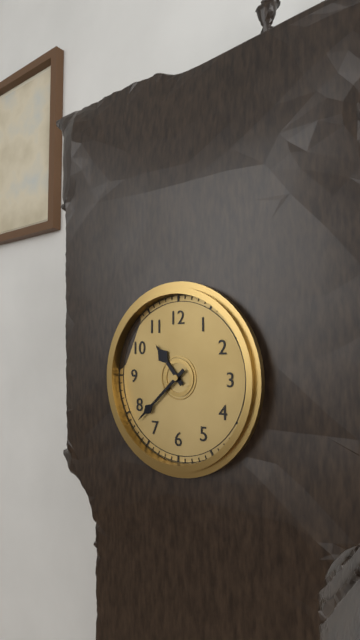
10:38
